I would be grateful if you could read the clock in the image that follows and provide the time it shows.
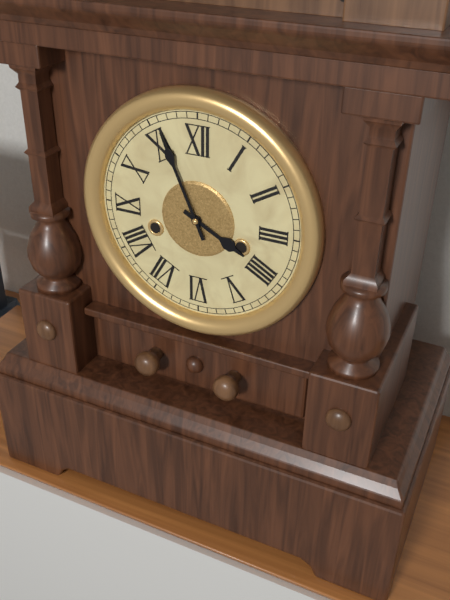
3:56
